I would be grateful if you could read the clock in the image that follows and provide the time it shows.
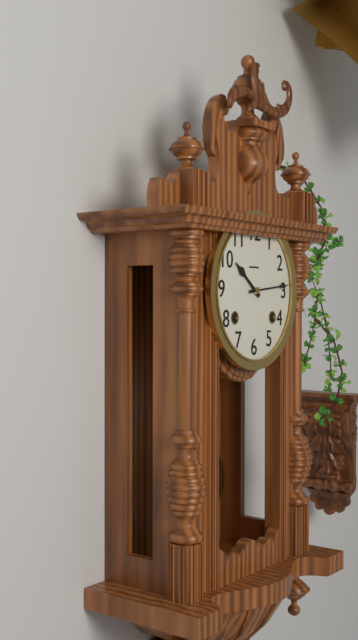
10:14
